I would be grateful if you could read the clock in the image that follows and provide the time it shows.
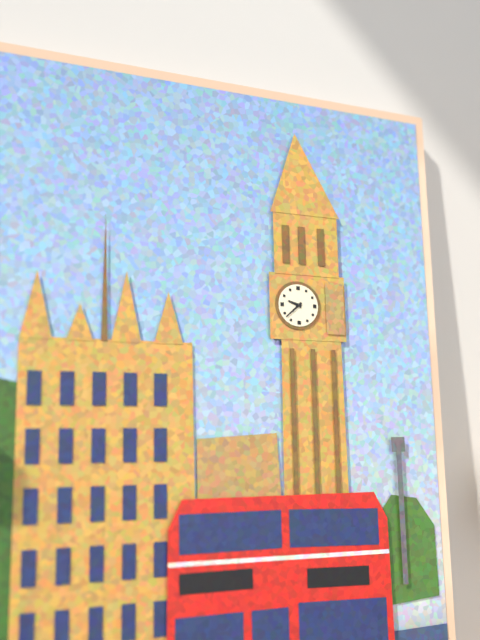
9:38
